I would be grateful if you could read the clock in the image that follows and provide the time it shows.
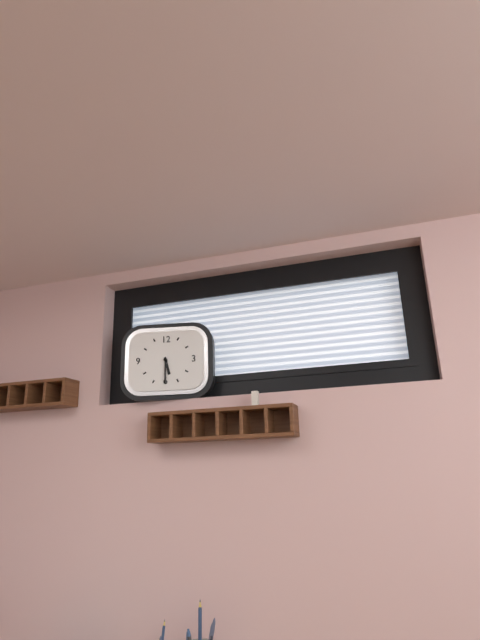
5:30
